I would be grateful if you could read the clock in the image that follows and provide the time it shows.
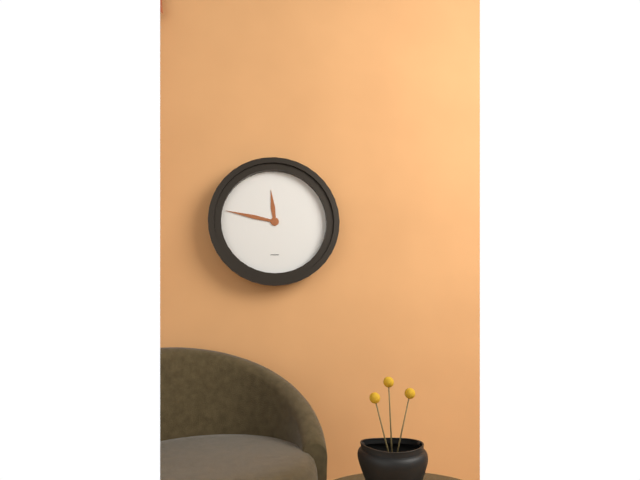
11:47
